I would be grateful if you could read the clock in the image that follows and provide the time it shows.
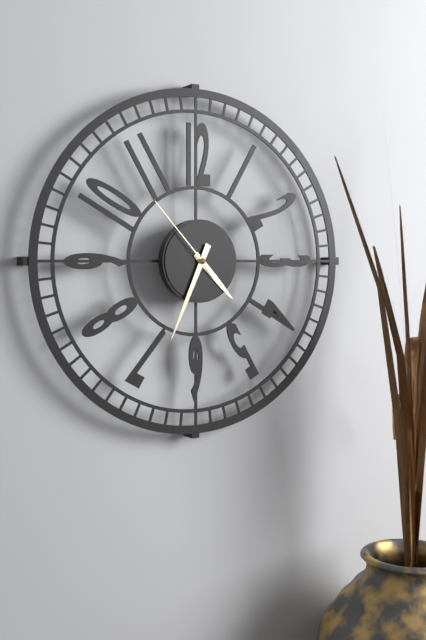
4:34:53
